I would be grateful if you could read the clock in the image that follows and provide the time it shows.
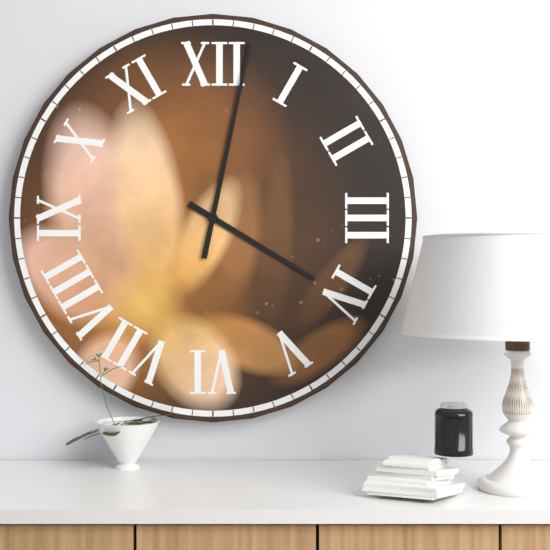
4:02
